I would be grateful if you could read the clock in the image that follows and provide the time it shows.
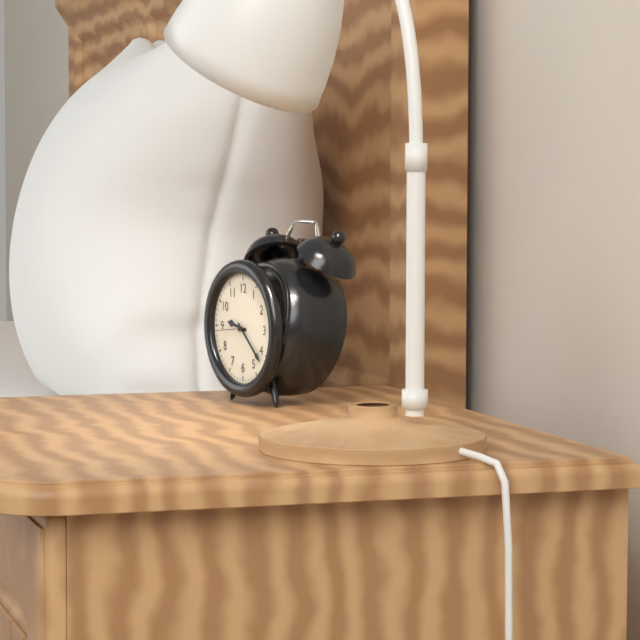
9:22
